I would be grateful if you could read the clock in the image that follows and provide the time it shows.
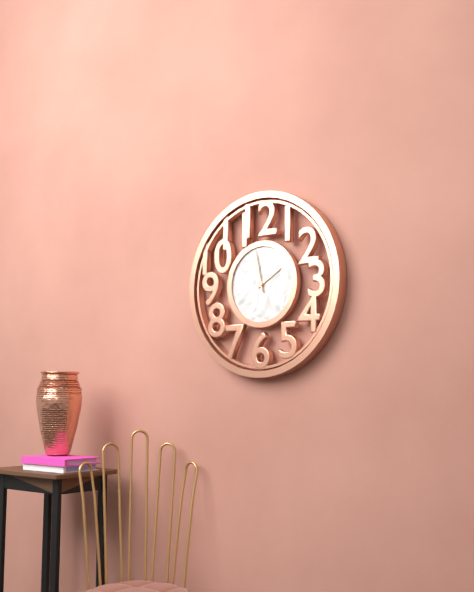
1:58
